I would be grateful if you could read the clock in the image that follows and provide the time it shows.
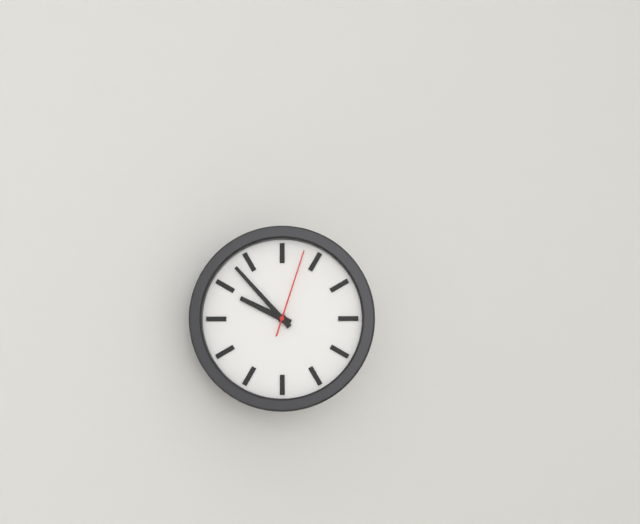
9:53:03
